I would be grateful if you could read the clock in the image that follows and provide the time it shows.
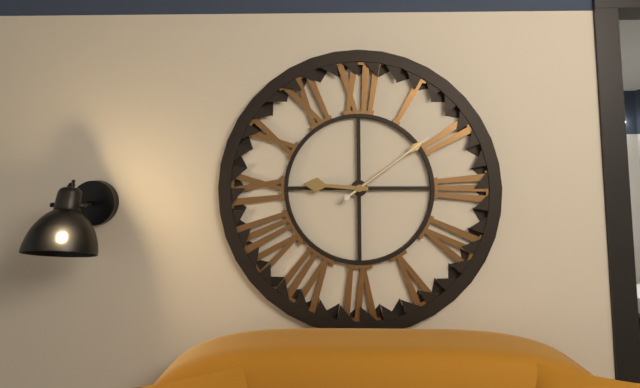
9:09:09
